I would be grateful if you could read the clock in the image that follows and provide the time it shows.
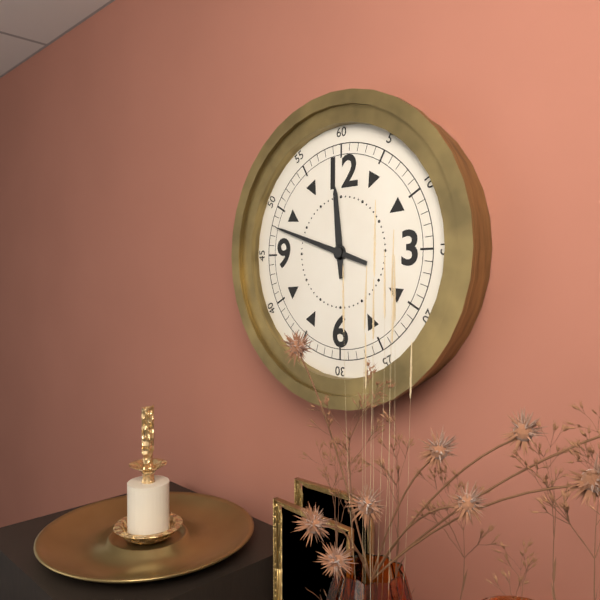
11:48
